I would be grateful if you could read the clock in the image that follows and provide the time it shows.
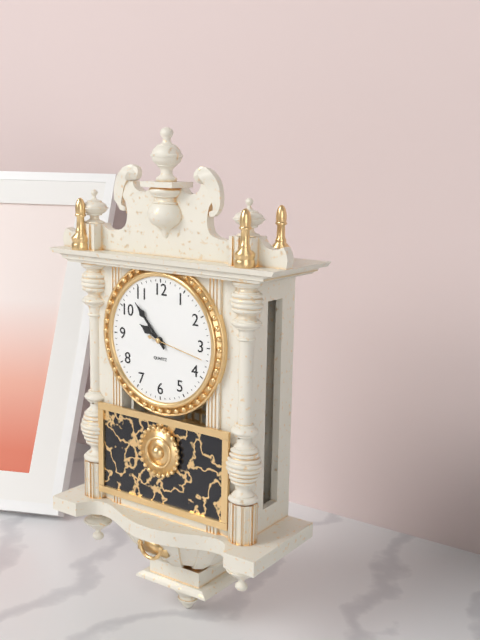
9:53:17
